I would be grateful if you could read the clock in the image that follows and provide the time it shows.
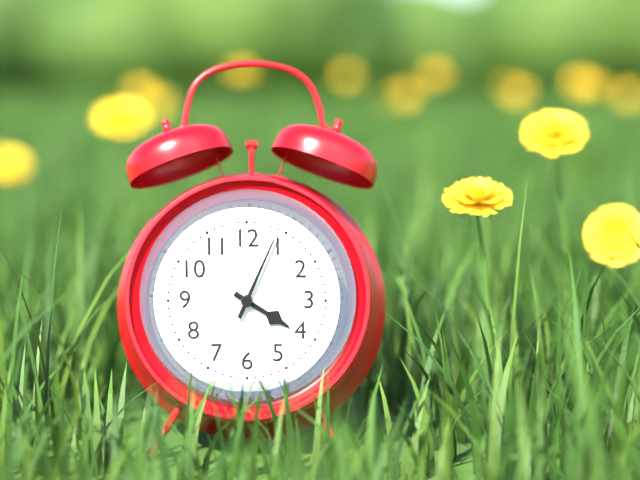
4:04
